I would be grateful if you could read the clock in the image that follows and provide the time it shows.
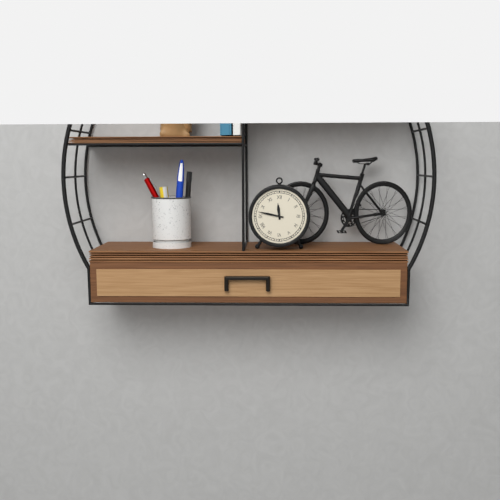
11:47
